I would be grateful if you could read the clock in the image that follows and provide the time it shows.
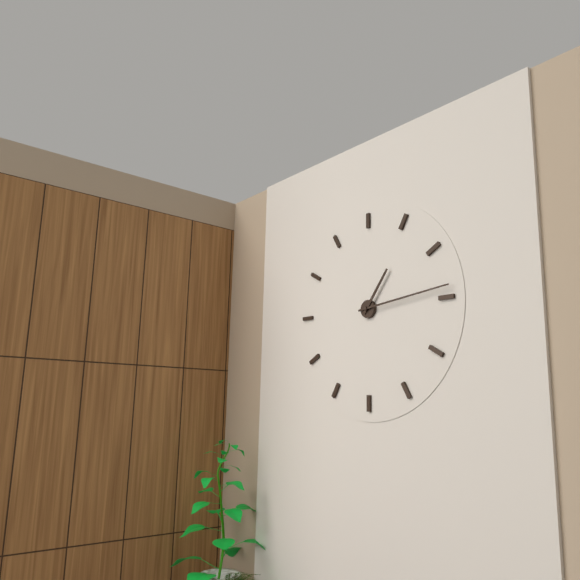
1:14
